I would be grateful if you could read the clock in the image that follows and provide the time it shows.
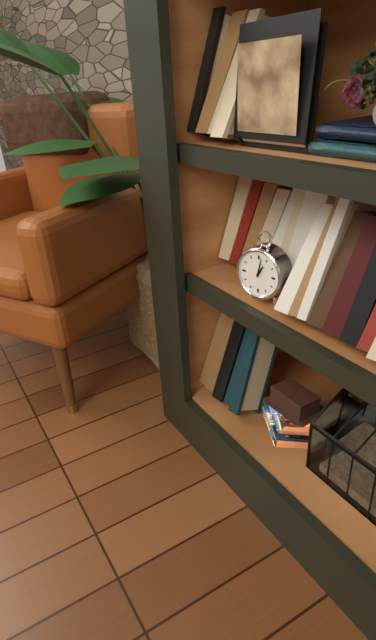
1:02
